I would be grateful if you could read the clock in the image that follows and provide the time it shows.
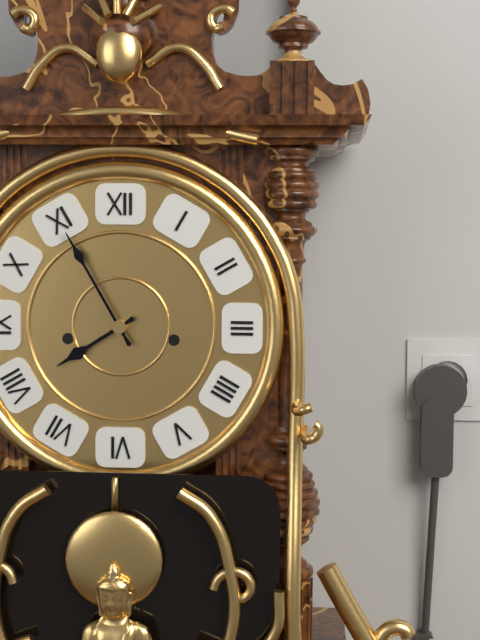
7:55
